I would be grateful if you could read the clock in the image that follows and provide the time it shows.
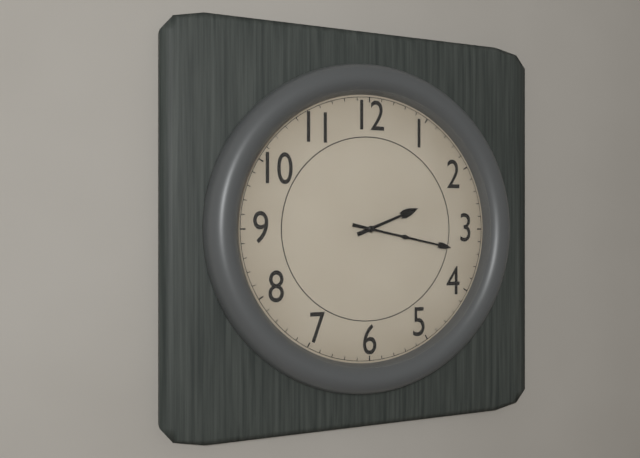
2:17
